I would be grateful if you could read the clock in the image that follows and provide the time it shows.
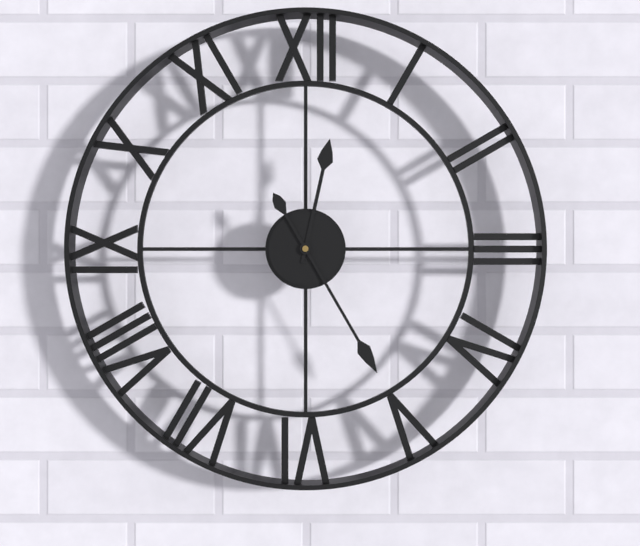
12:25
